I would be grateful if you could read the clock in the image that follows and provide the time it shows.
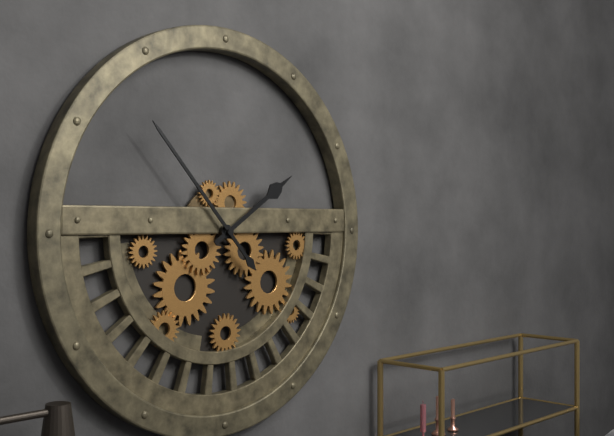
1:53
